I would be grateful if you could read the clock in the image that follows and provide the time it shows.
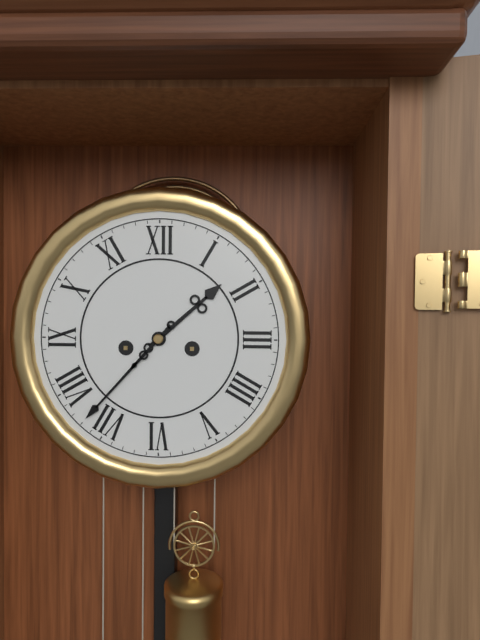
1:37
